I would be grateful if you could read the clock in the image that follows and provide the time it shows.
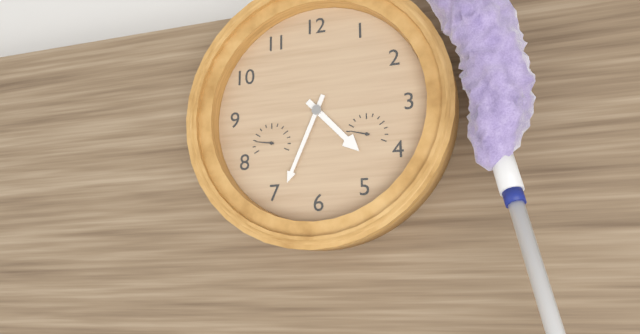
4:34
